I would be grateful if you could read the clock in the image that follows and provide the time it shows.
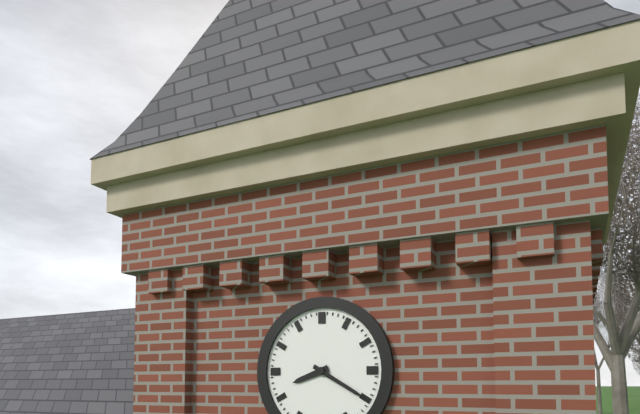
8:20
